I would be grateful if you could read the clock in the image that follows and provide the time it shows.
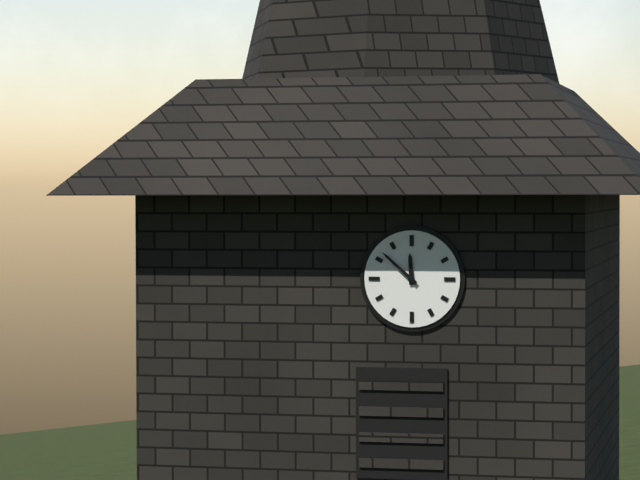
11:52
